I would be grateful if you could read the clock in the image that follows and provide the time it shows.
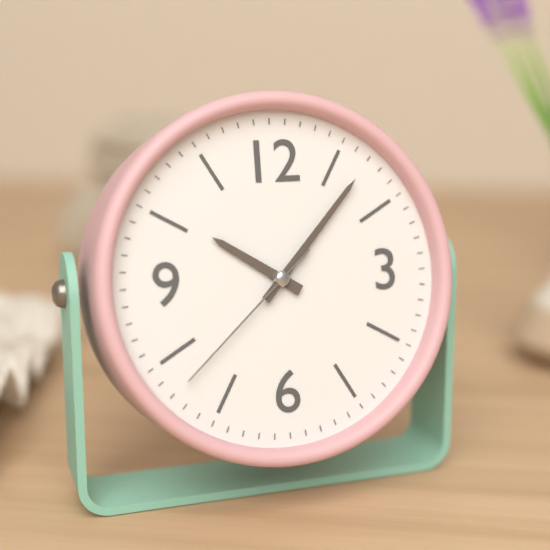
10:07:38
